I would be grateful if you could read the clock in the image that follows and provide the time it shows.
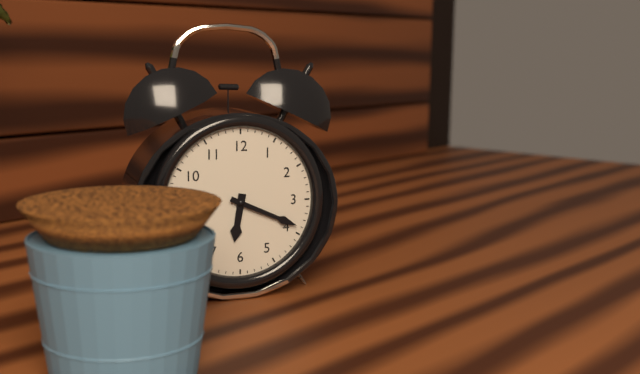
6:19
